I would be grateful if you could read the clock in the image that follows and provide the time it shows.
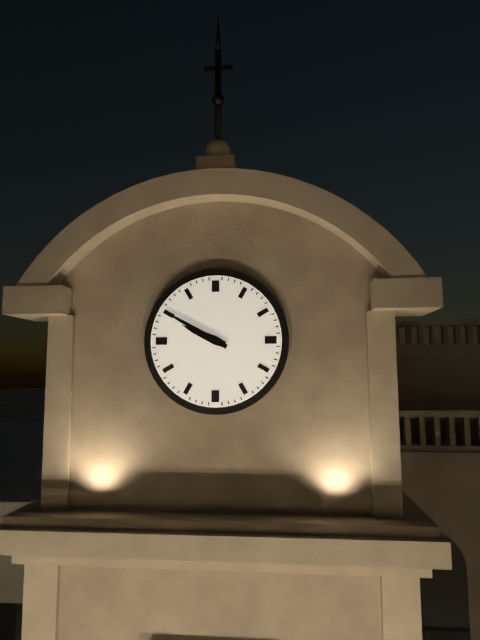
9:50
